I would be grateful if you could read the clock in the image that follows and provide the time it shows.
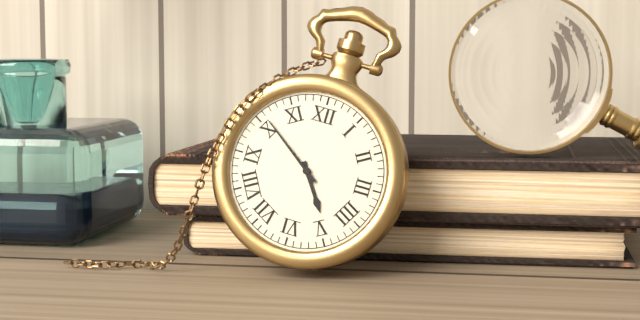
4:51
